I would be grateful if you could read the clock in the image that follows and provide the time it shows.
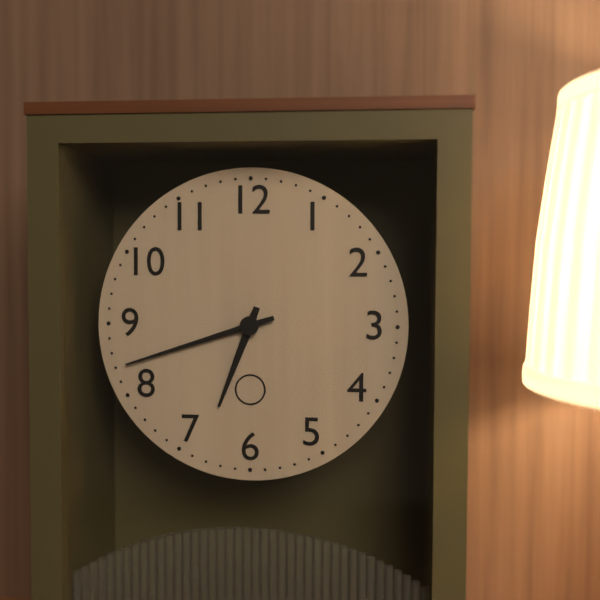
6:42
